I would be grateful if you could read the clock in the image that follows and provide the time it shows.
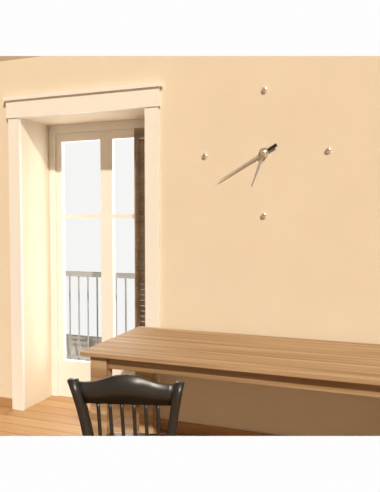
6:40
